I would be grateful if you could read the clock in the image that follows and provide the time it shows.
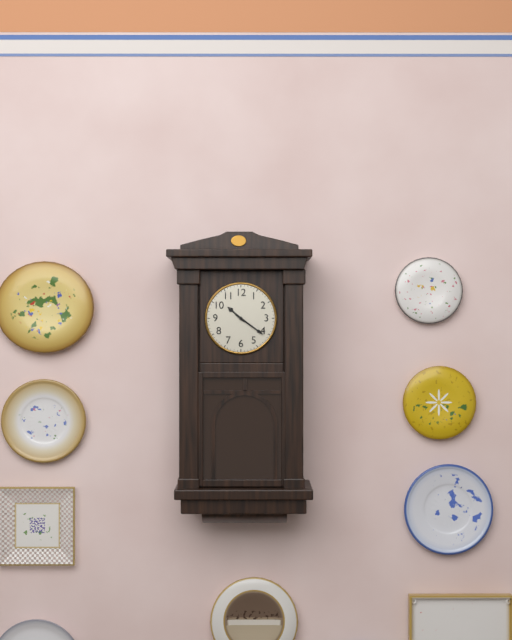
10:21
